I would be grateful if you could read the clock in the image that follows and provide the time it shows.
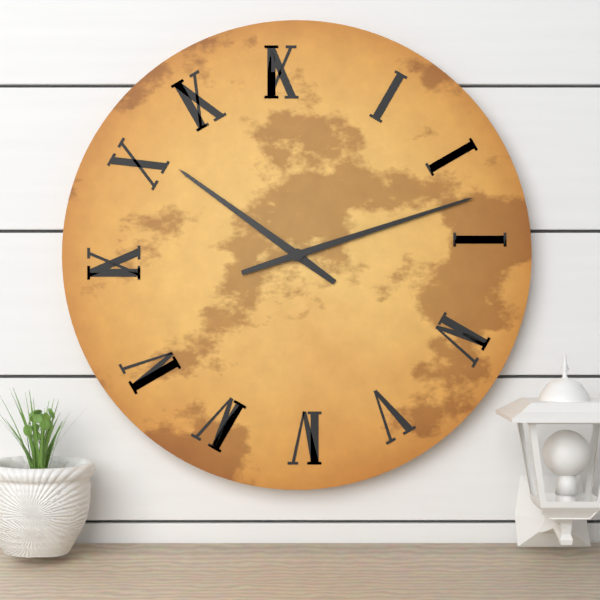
10:12
